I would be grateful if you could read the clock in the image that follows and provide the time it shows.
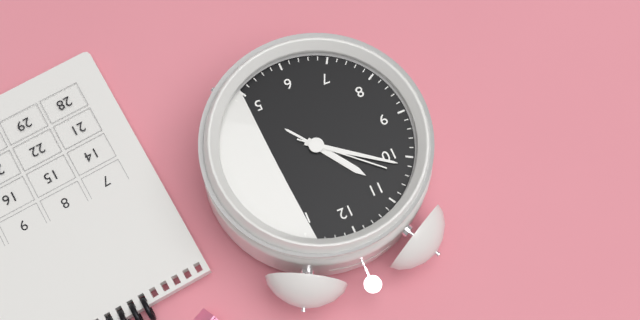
10:51:52
